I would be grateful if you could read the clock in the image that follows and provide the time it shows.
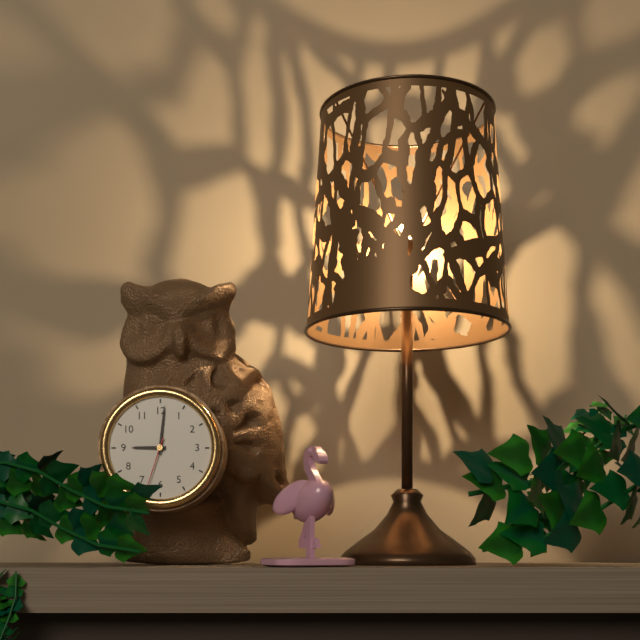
9:01:33
